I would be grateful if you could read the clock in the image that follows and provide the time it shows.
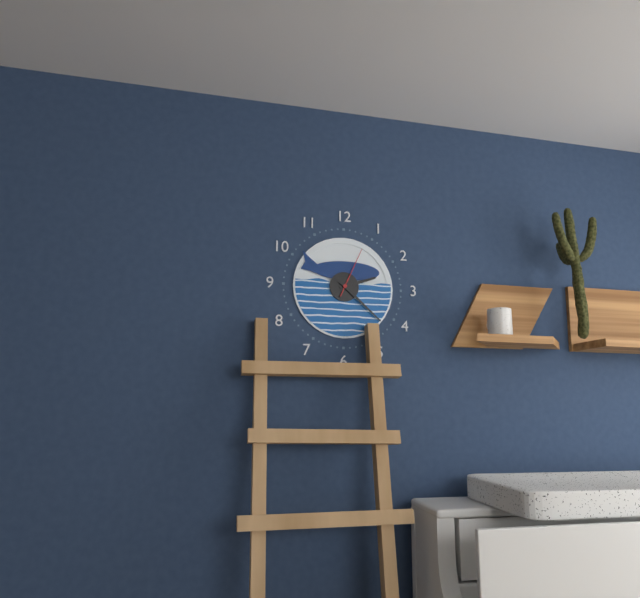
2:22:04
